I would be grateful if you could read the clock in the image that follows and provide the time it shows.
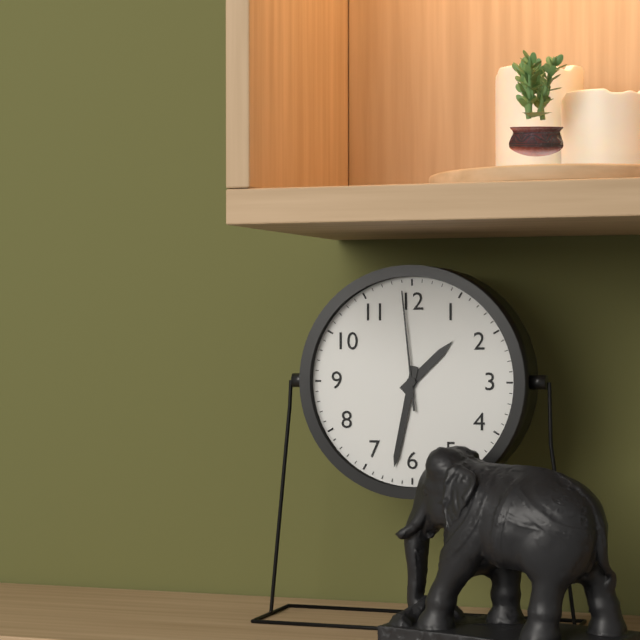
1:32:59
